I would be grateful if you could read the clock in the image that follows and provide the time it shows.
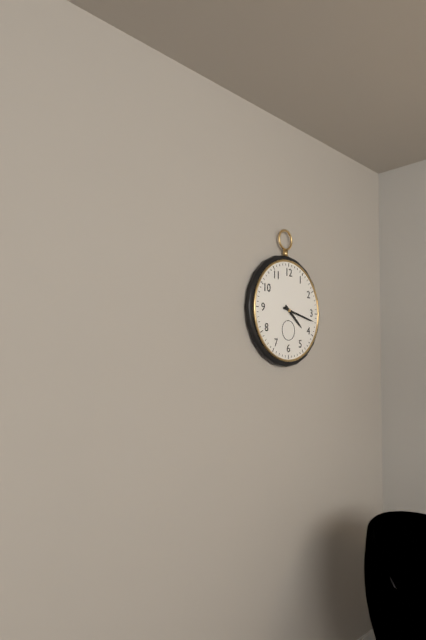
4:17
